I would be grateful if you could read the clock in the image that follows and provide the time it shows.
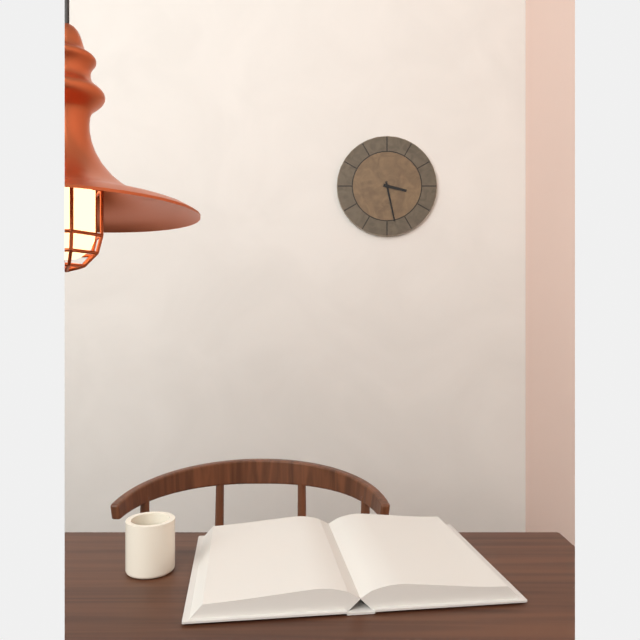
3:28
